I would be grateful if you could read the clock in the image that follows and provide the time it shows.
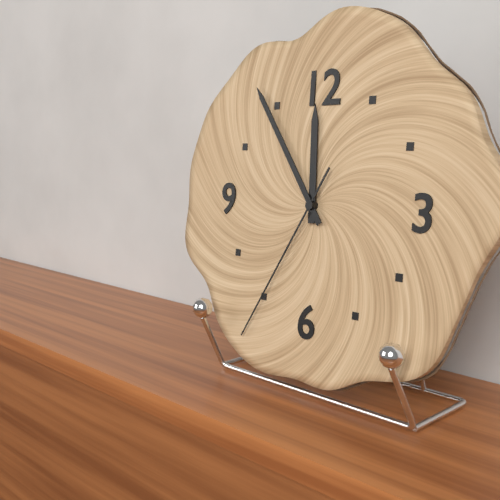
11:54:35
